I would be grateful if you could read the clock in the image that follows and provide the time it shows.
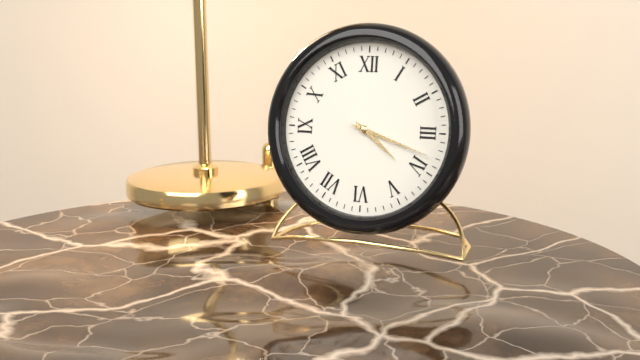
4:18
